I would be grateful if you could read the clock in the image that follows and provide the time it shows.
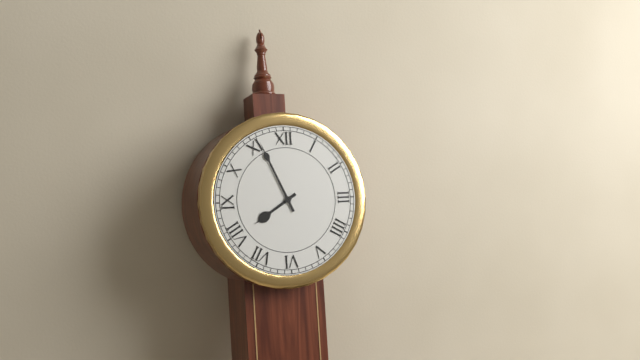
7:56
